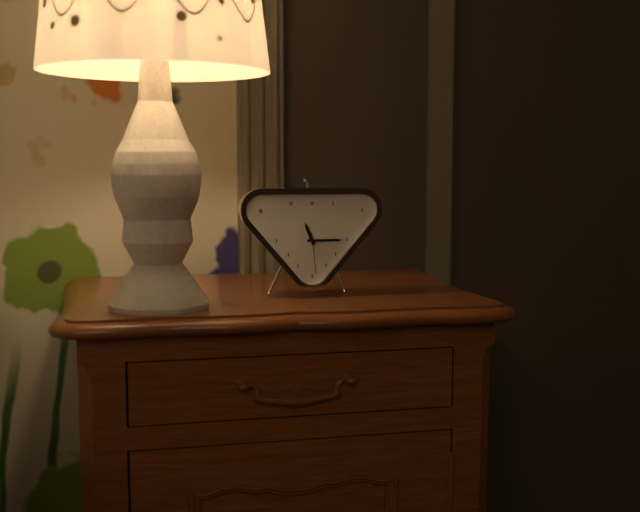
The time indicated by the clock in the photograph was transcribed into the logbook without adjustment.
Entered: 11:15
